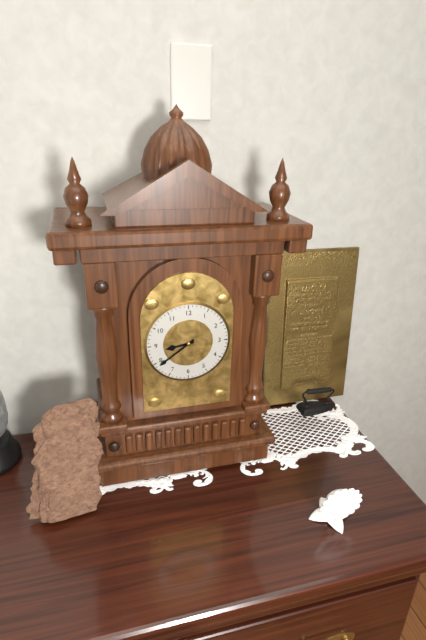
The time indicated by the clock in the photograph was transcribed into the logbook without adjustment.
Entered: 8:39
